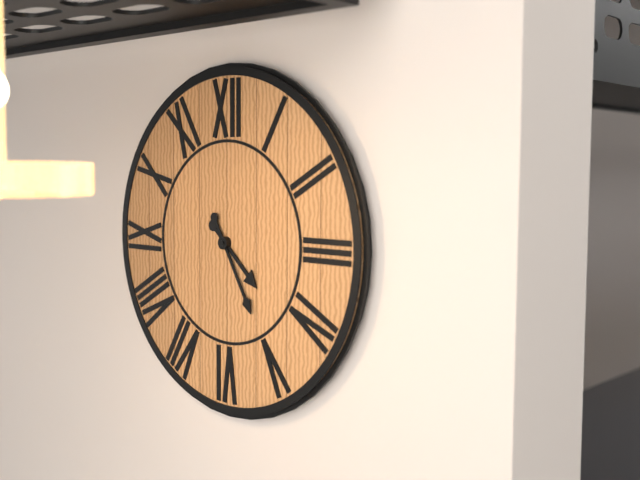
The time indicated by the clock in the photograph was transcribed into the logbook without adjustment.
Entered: 4:25
